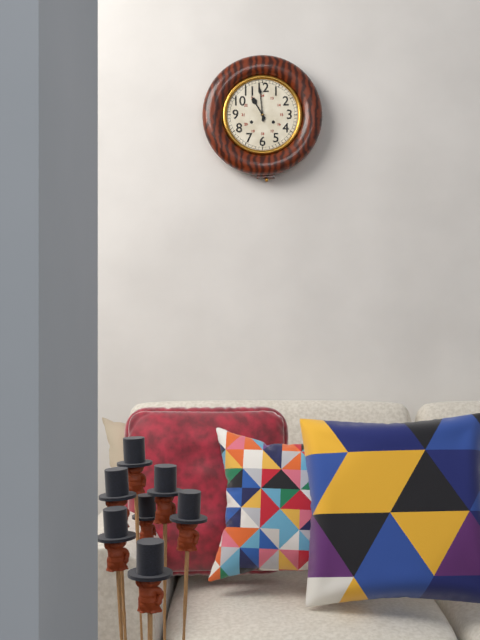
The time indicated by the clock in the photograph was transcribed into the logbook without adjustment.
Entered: 10:59
